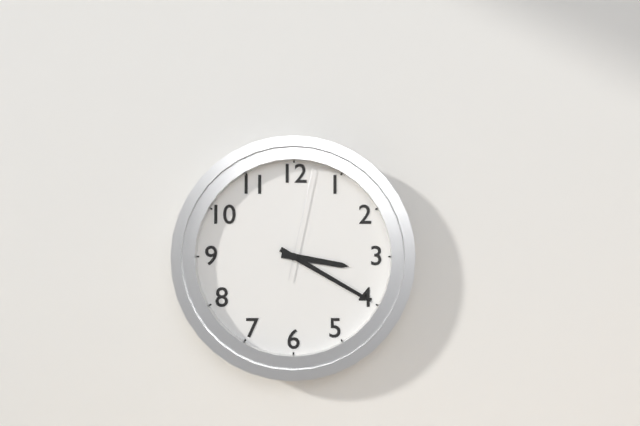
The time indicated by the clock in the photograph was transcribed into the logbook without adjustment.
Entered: 3:20:02
